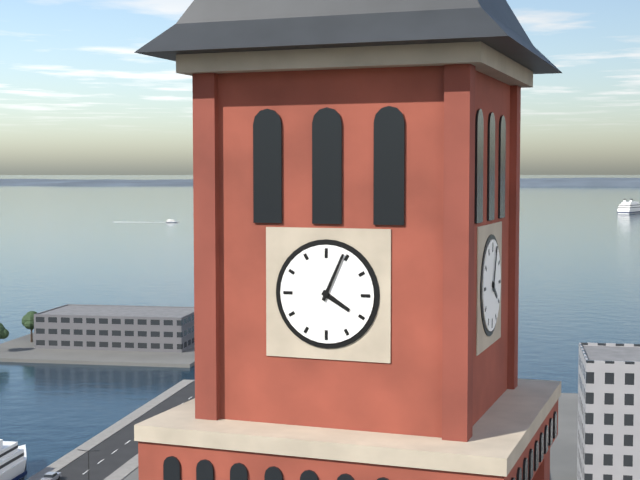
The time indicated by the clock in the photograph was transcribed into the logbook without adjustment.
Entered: 4:04
